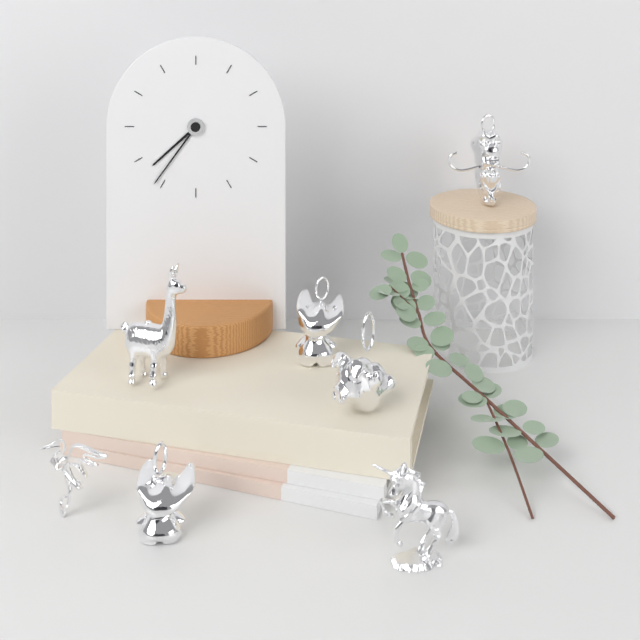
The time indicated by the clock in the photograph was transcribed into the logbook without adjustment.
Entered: 7:36
